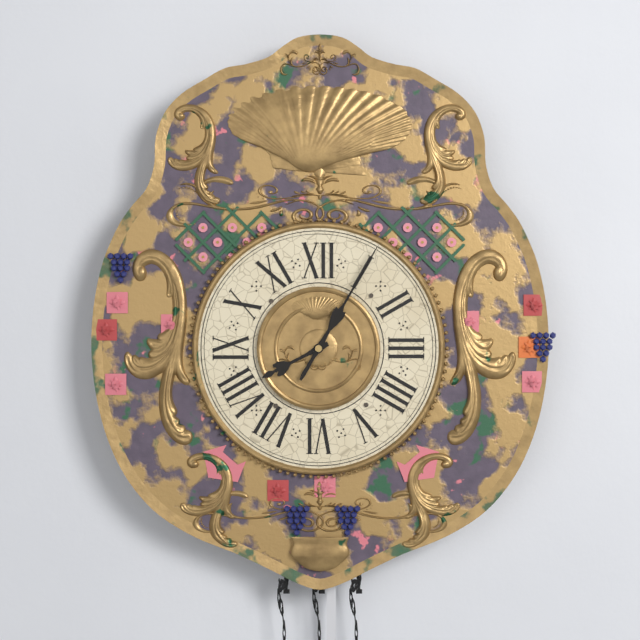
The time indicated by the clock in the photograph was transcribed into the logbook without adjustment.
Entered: 8:05
